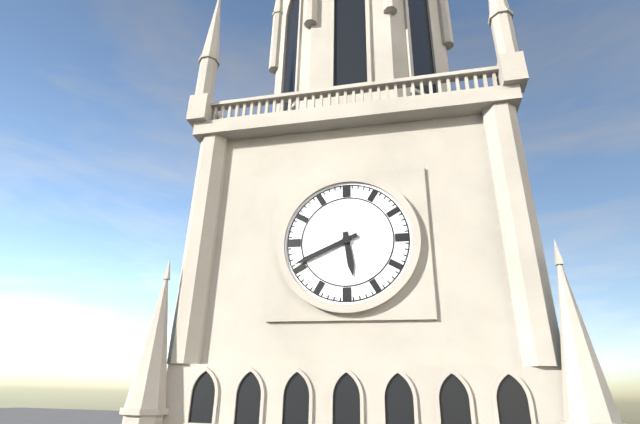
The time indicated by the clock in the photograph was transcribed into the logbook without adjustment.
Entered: 5:41
